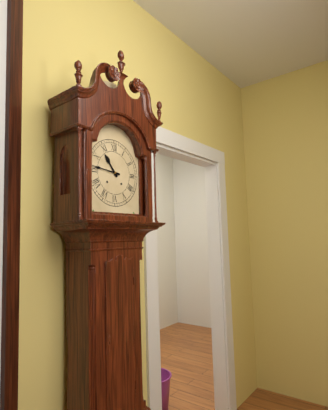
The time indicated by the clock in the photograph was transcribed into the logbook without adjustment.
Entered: 10:46
